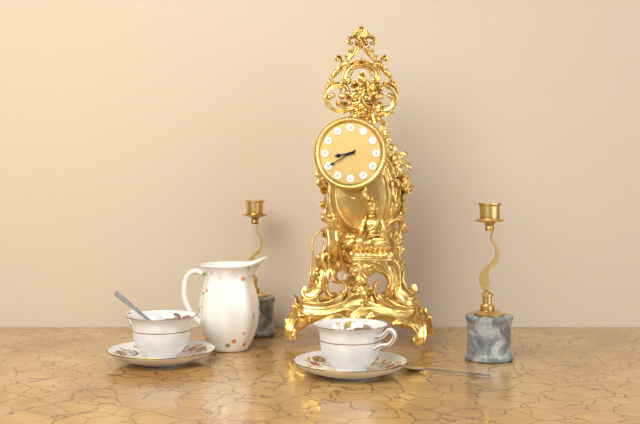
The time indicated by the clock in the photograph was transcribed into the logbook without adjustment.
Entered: 8:40
